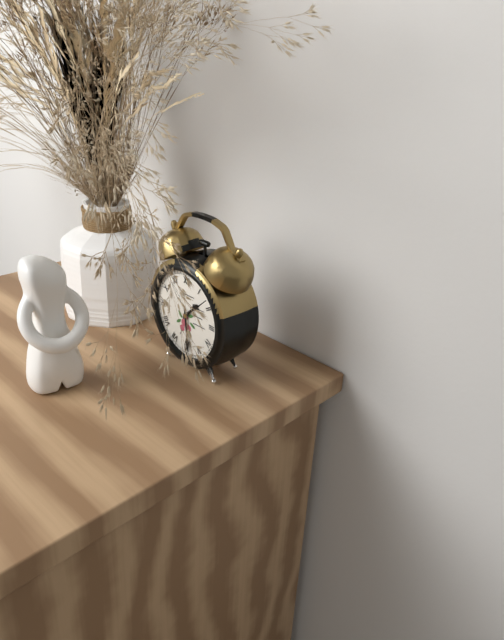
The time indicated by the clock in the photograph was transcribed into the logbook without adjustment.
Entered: 1:29
